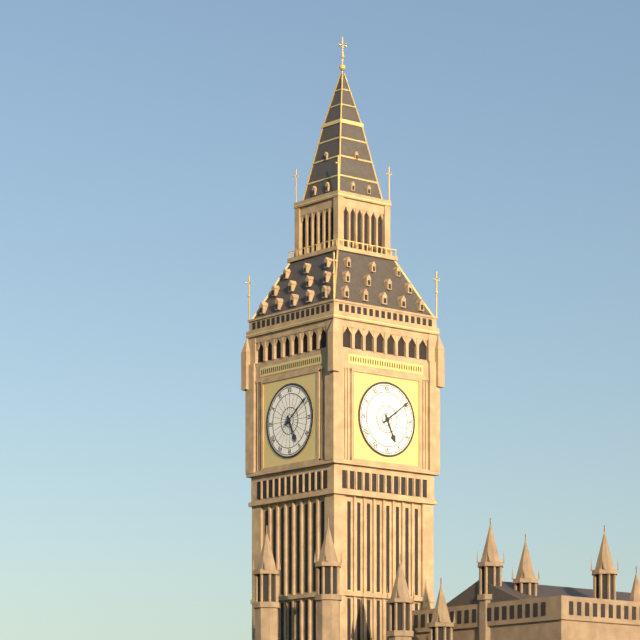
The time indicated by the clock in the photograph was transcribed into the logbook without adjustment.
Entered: 5:09
